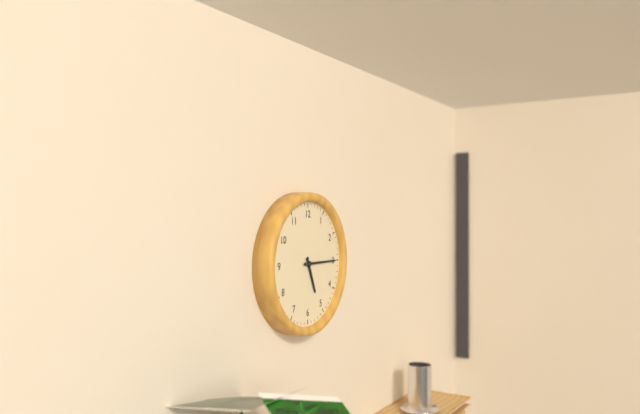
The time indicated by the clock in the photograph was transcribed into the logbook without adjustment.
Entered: 5:15
